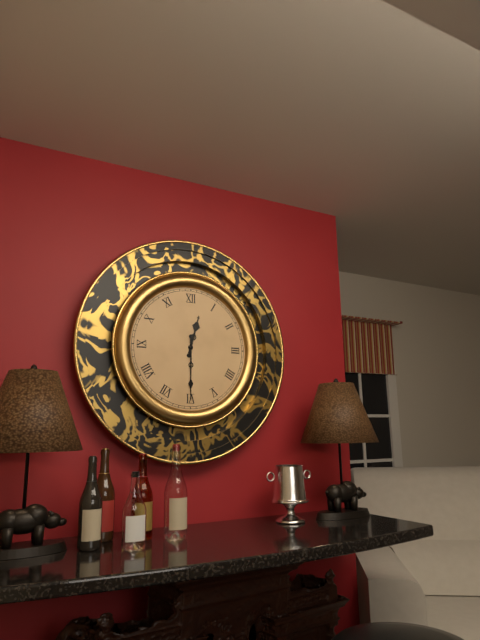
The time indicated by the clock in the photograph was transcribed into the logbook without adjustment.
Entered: 12:30
